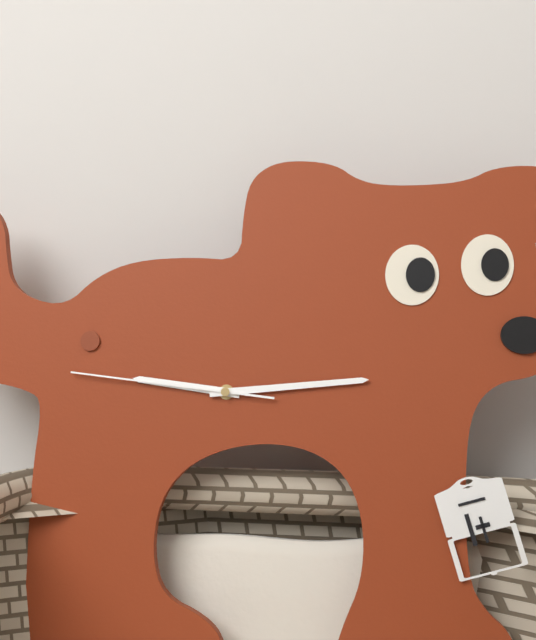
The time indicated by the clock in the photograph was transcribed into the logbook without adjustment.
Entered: 9:14:46
